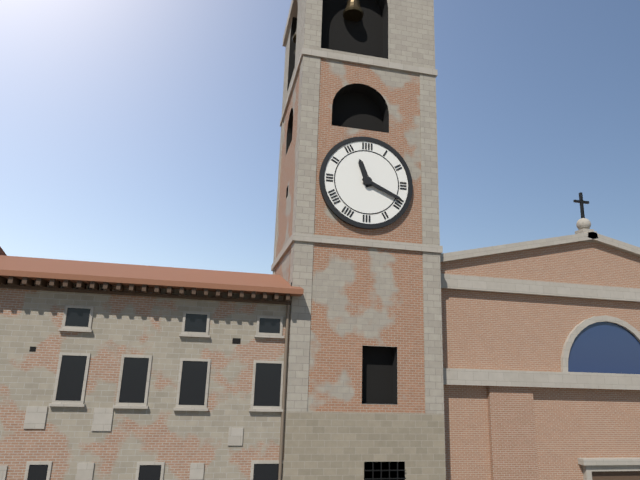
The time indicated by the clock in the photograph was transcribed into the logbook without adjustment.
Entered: 11:19
